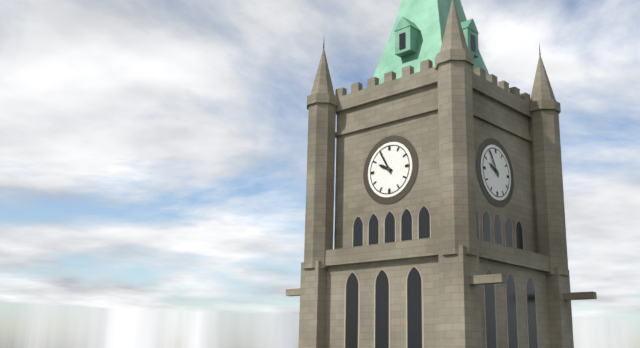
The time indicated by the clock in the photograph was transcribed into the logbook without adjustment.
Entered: 9:55
